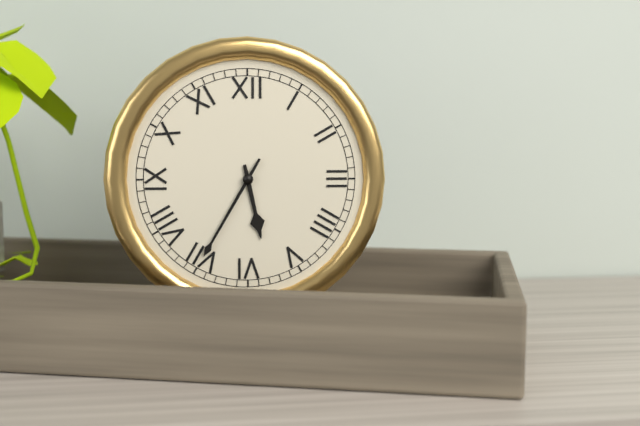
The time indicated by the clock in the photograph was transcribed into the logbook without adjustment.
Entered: 5:35
